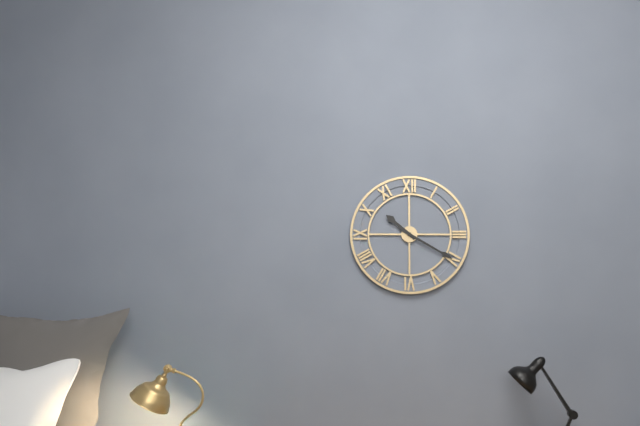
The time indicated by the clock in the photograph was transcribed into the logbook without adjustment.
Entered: 10:20
